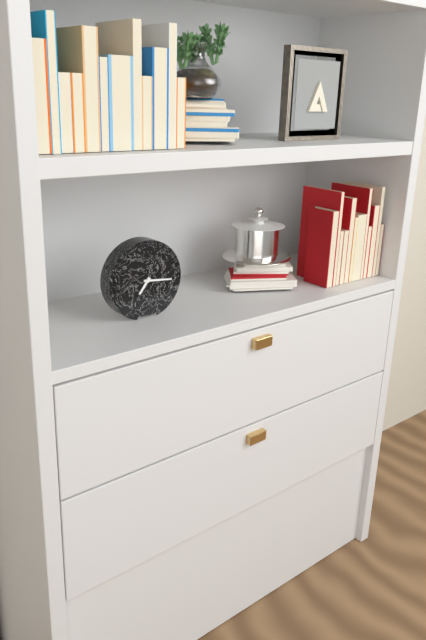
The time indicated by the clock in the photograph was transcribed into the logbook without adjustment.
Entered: 7:16
